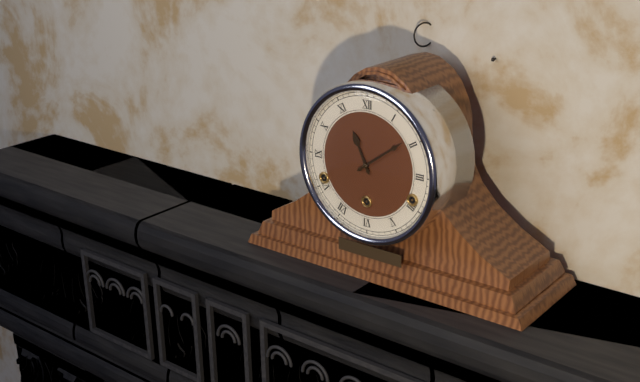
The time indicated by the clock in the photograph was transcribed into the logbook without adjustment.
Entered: 11:09
